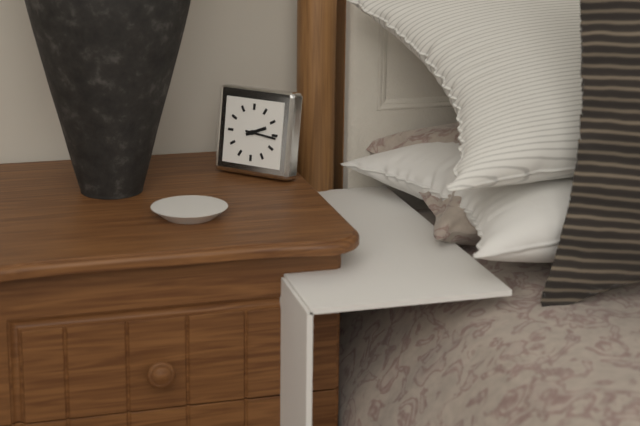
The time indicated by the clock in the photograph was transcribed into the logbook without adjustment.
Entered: 2:16
